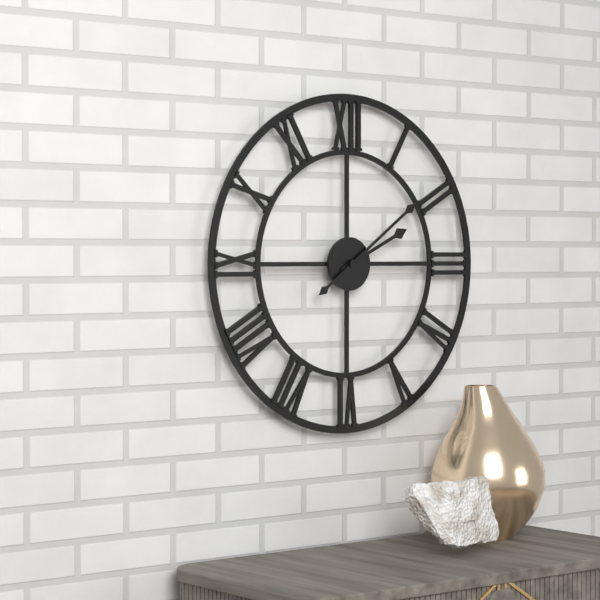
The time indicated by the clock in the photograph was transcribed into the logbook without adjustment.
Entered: 2:09
